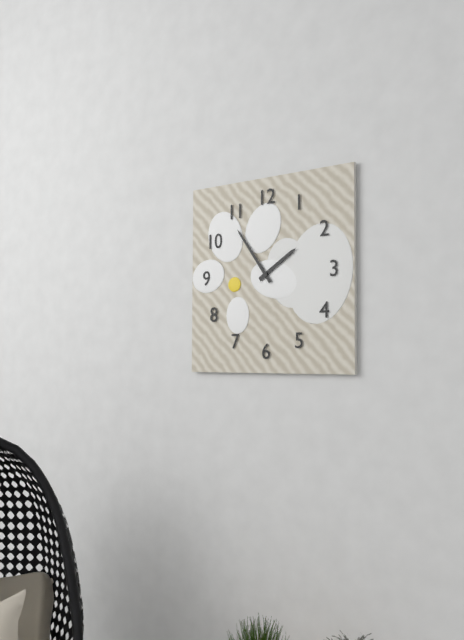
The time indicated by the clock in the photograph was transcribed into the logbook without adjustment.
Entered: 1:54
